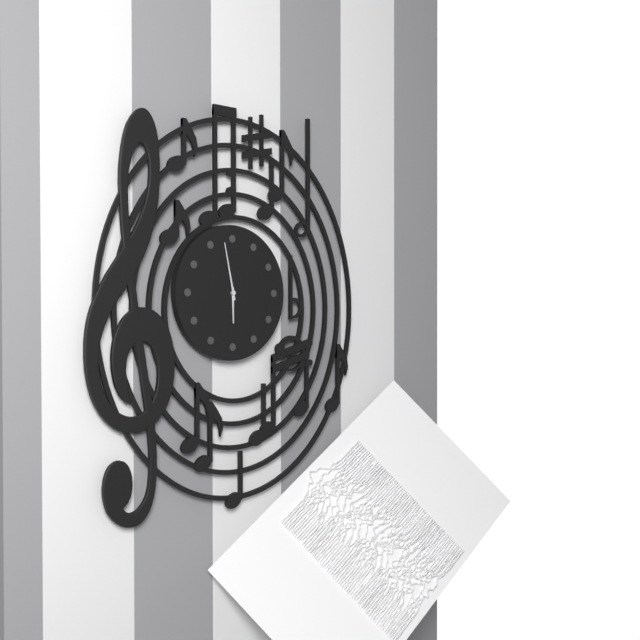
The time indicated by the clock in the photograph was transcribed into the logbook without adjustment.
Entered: 5:58
